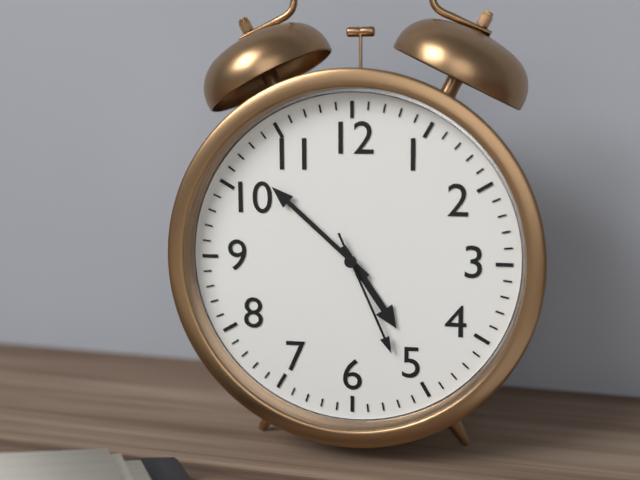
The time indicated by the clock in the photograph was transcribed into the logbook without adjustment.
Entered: 4:52:26
